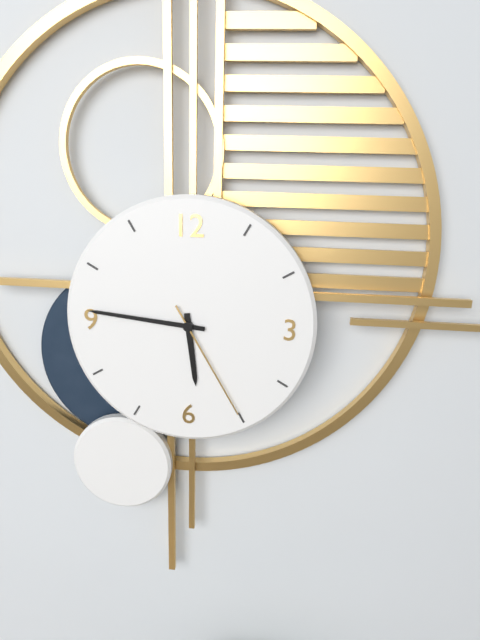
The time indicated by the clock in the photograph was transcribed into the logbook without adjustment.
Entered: 5:46:25
